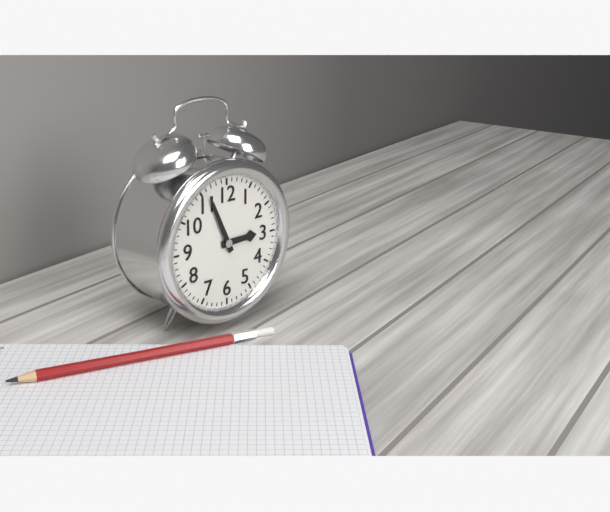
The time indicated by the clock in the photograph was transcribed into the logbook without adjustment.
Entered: 2:56
